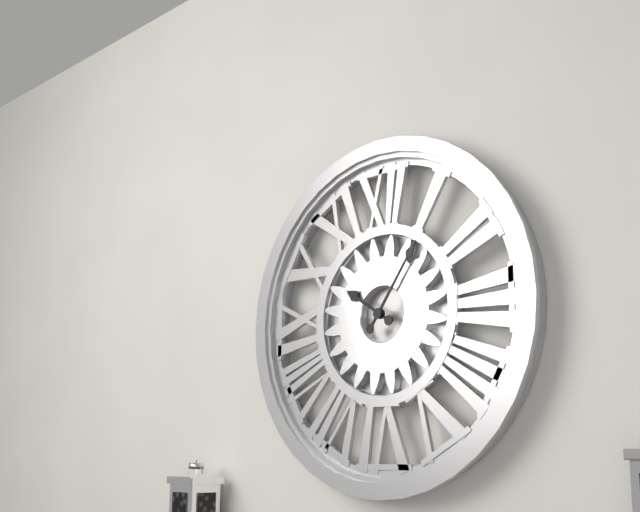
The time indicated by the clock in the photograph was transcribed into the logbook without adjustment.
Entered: 10:06
